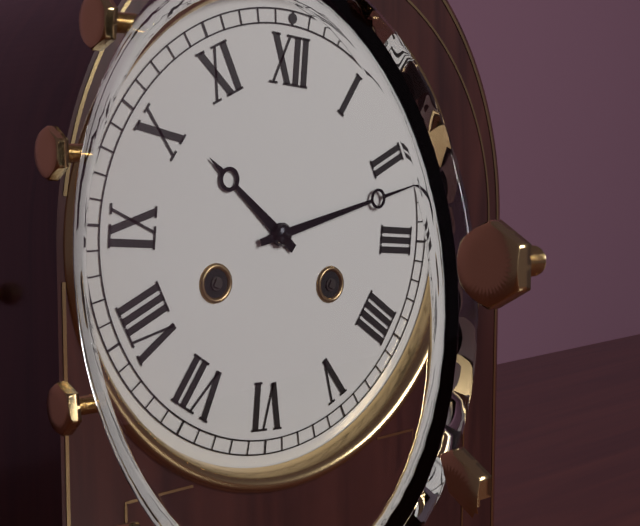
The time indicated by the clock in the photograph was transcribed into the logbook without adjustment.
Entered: 10:12
